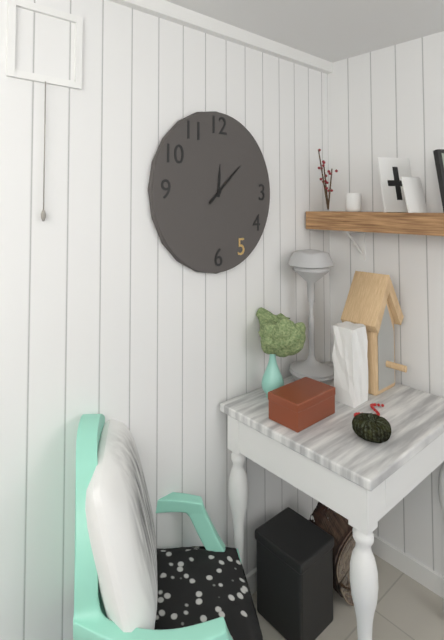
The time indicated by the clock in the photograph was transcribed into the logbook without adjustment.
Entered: 12:08
